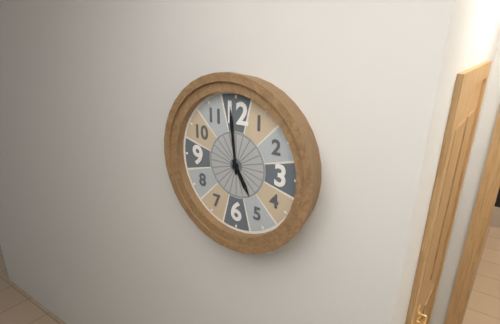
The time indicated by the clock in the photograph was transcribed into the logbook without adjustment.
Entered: 4:59
